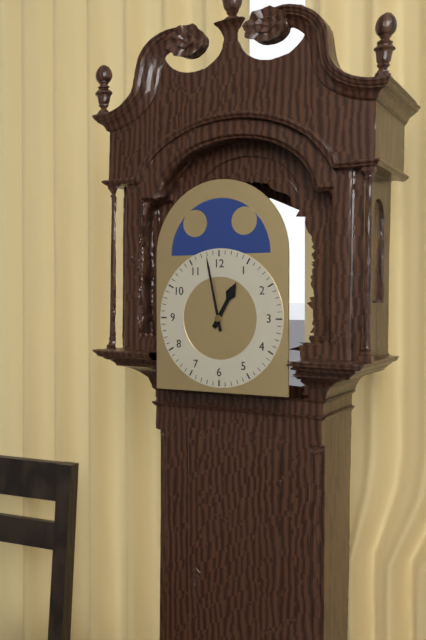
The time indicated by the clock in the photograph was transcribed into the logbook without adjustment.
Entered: 12:58
